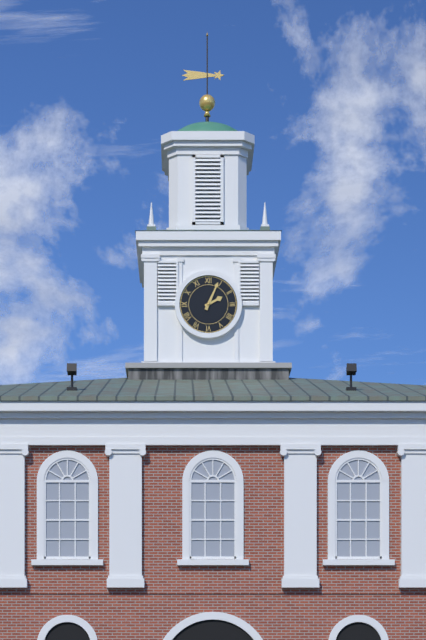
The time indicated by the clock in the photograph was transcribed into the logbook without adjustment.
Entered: 2:04
